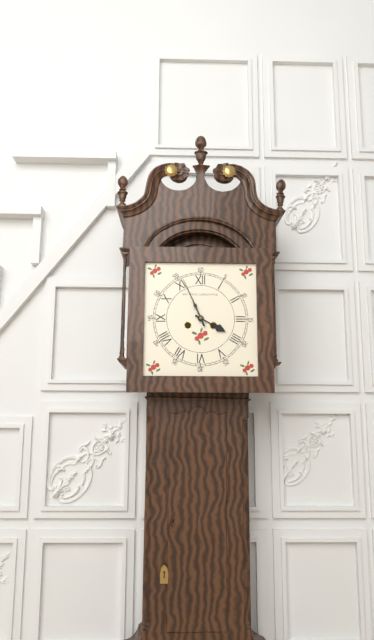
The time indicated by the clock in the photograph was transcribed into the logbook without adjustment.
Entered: 3:56
